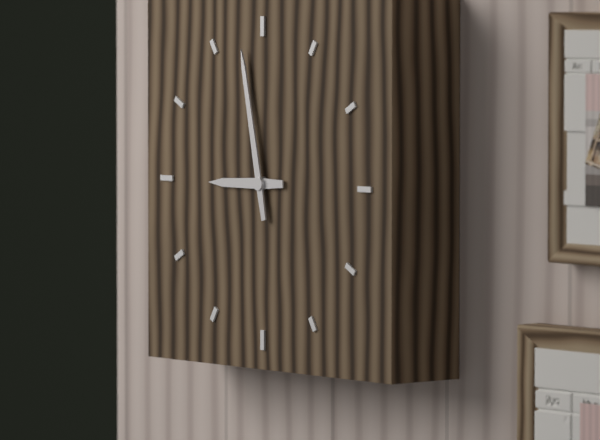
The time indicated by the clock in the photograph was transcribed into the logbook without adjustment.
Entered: 8:58
